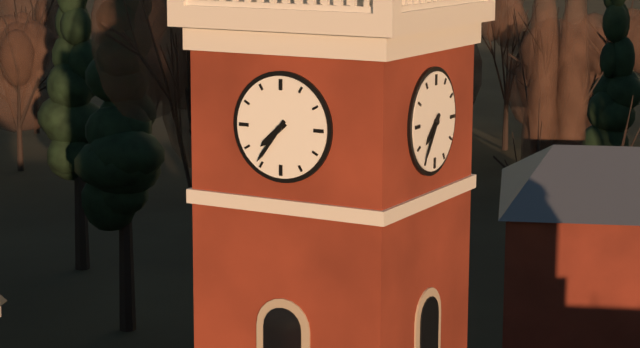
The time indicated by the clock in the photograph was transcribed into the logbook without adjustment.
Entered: 7:36
